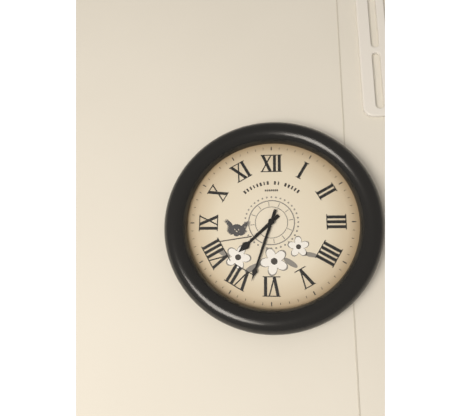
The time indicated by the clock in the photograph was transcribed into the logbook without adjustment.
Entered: 7:33
